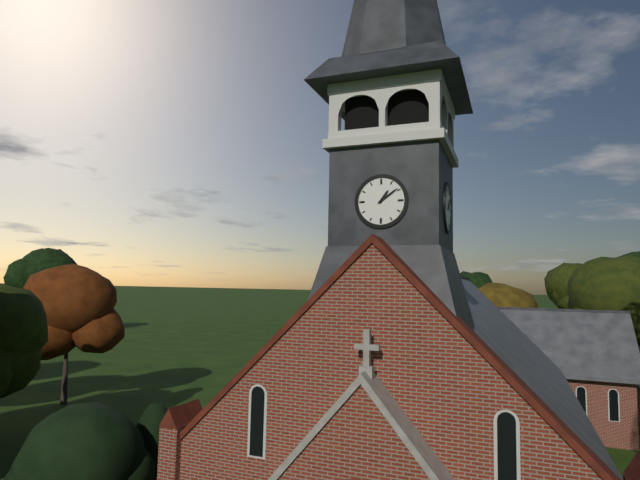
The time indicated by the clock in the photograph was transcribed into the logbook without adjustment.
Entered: 1:09
